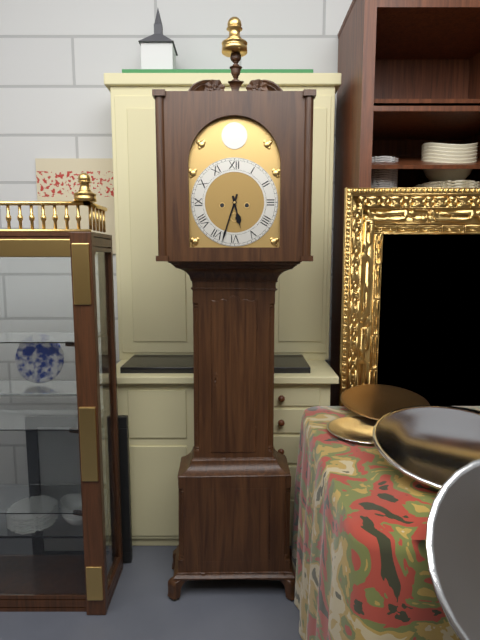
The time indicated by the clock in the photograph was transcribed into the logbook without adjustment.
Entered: 5:33
